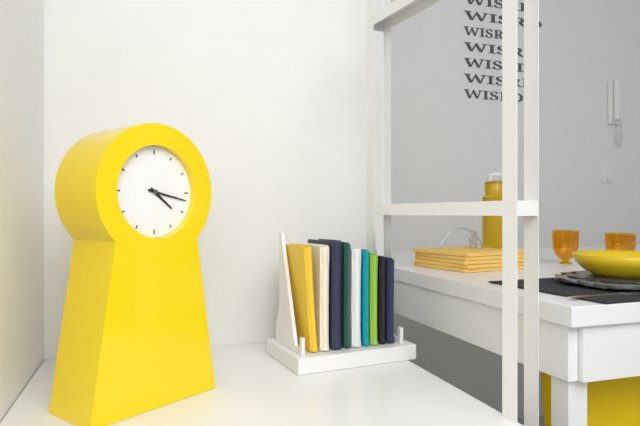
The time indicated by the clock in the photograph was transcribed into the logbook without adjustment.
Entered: 4:17
